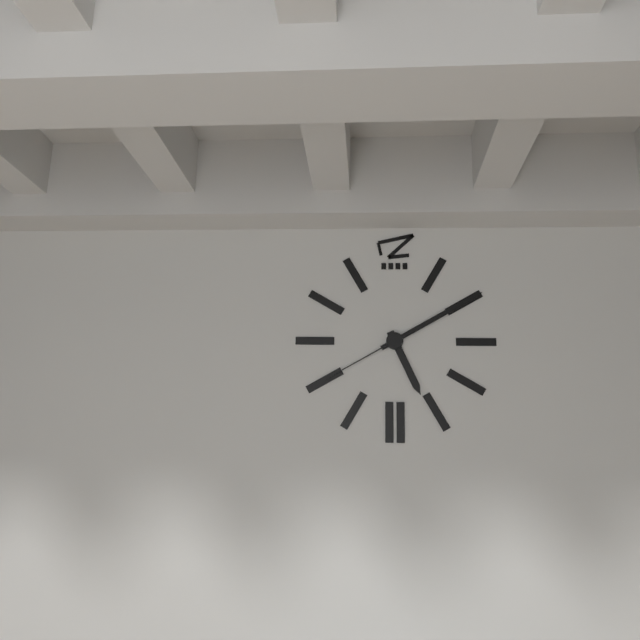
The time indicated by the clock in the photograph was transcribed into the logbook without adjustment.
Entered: 5:10:40
